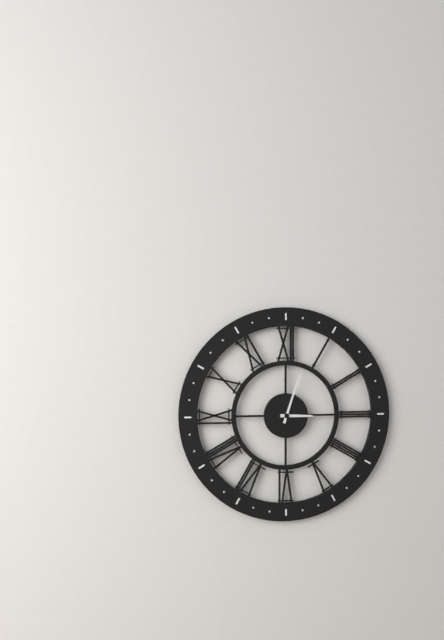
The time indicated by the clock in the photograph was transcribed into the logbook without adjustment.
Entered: 3:03
